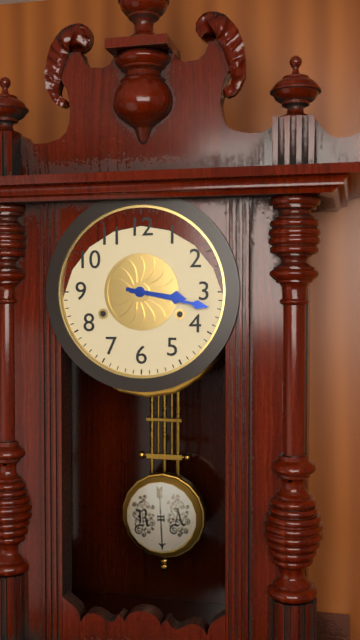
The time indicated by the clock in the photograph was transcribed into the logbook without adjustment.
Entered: 3:17
